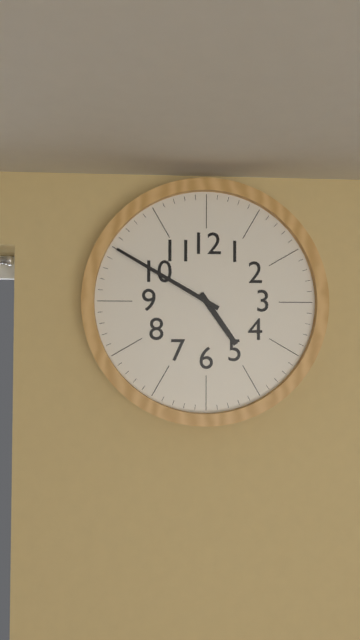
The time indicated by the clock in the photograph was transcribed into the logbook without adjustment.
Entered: 4:50
